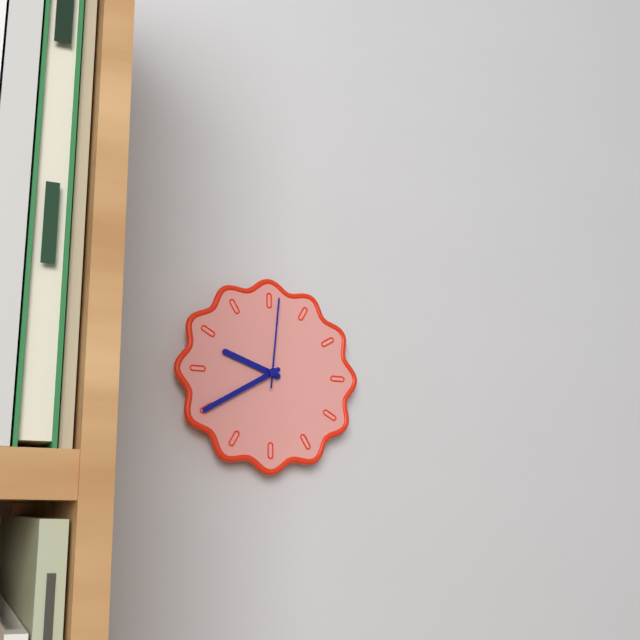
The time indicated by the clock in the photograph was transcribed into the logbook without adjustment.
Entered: 9:40:01
